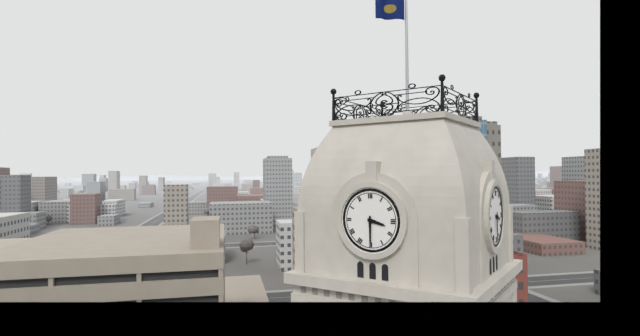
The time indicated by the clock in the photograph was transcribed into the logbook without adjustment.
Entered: 3:30
